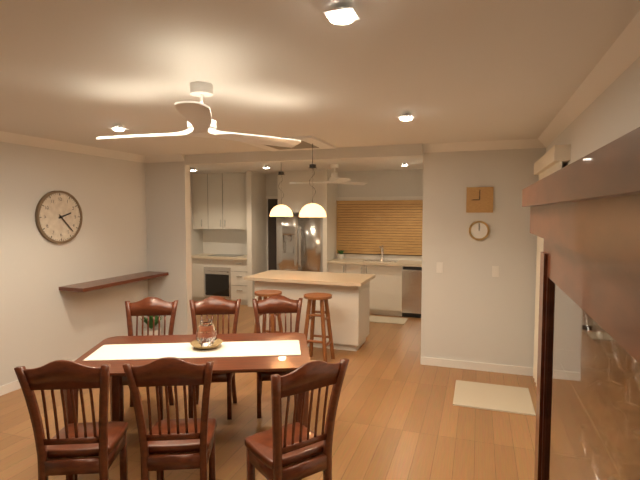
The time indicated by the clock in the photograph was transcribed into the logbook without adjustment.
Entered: 2:23
